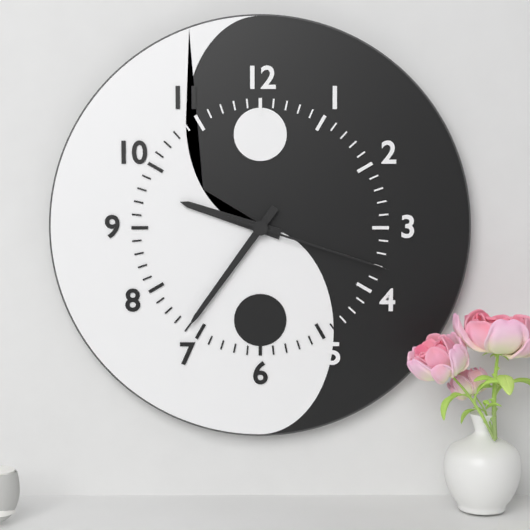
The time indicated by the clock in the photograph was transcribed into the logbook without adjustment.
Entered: 9:36:18
